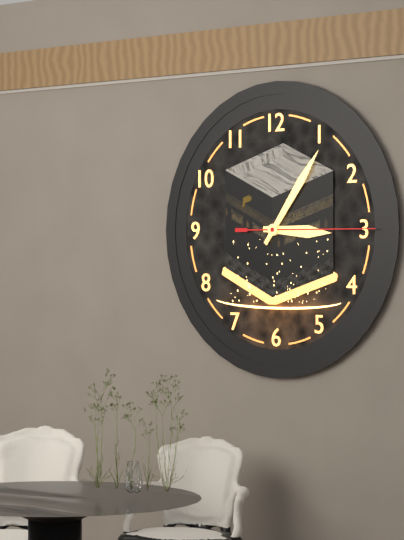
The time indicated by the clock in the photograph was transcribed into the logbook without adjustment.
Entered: 3:06:15
